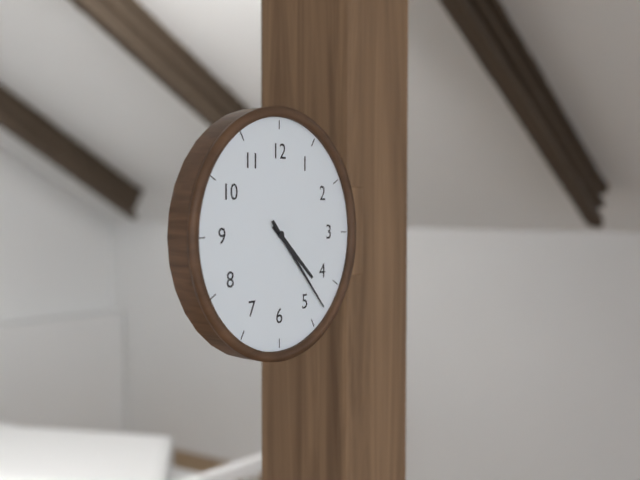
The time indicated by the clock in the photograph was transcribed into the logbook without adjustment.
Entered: 4:23
